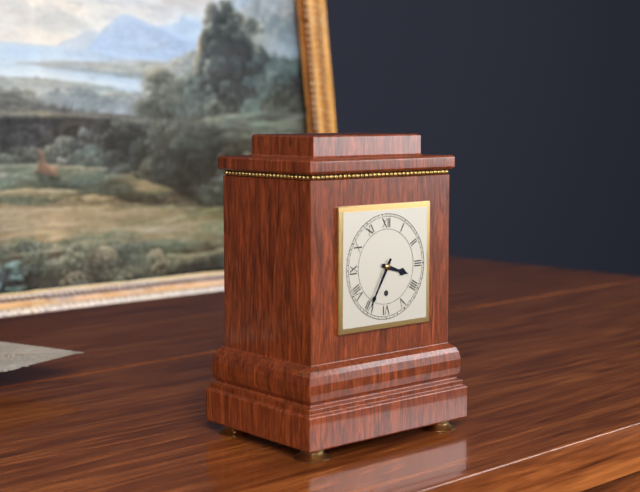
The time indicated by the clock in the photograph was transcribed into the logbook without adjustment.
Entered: 3:35
